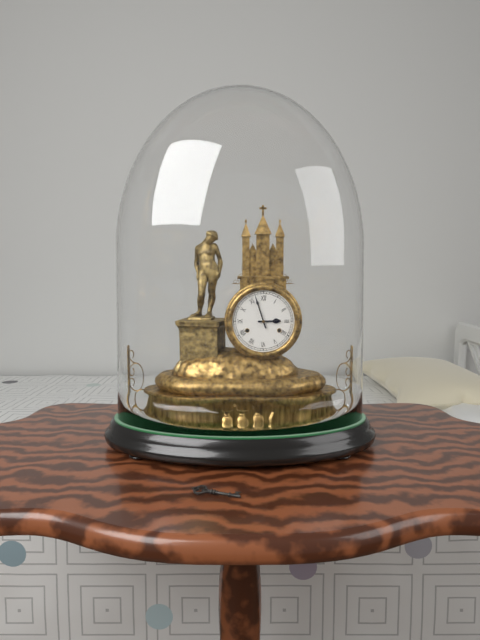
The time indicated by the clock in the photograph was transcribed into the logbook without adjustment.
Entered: 2:57
